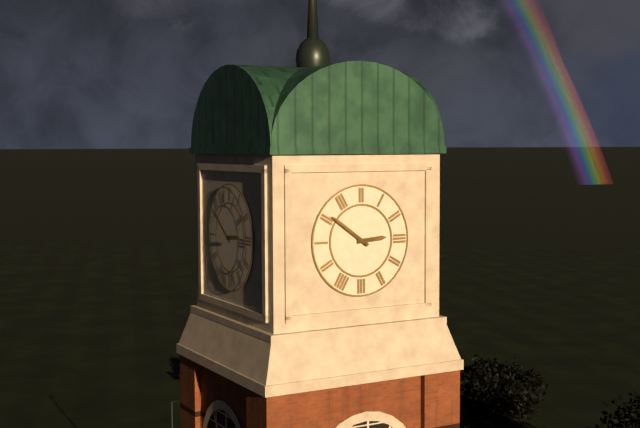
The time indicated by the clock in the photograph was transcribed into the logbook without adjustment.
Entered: 2:51
